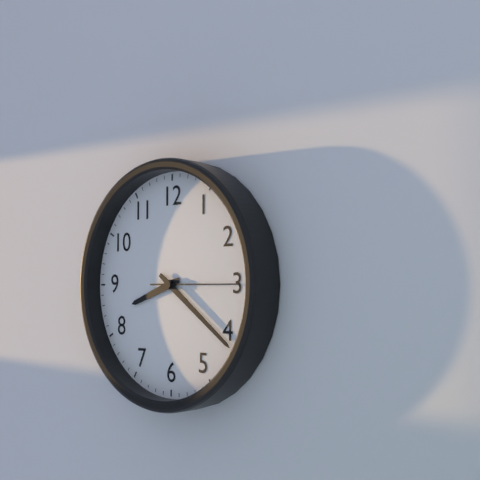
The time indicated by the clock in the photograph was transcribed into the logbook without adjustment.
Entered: 8:21:15
